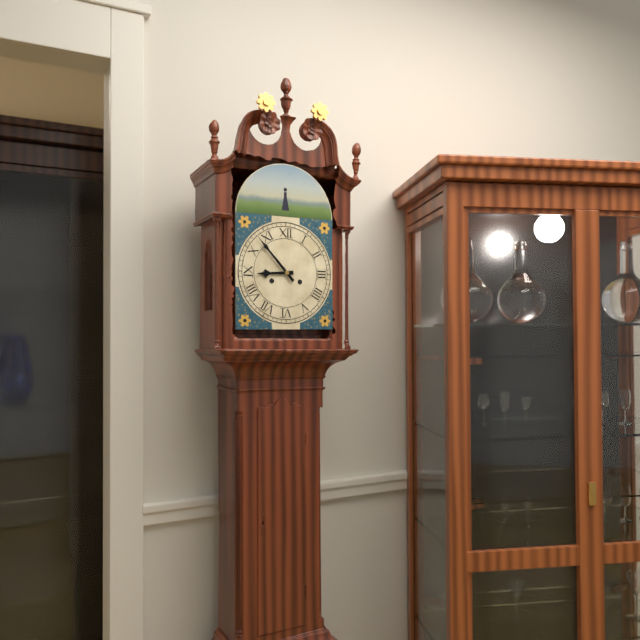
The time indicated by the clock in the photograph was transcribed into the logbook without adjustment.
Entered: 8:53
